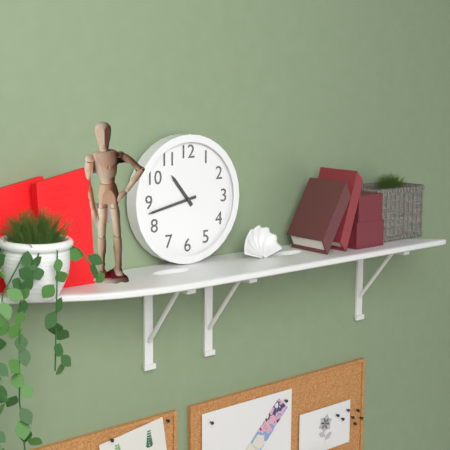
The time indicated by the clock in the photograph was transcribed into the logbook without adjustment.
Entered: 10:43
